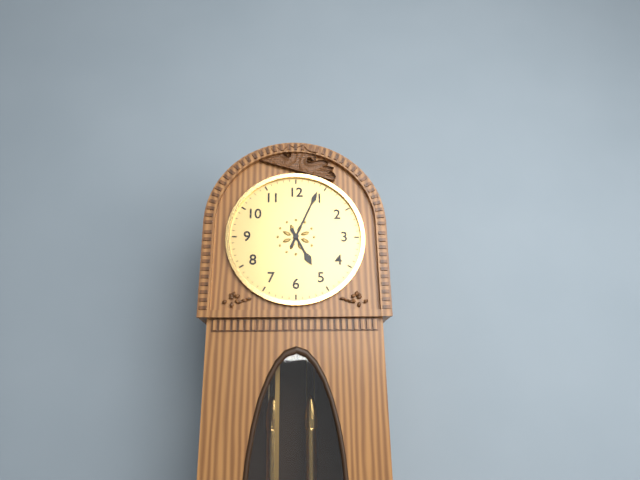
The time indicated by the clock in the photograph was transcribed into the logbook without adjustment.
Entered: 5:04
